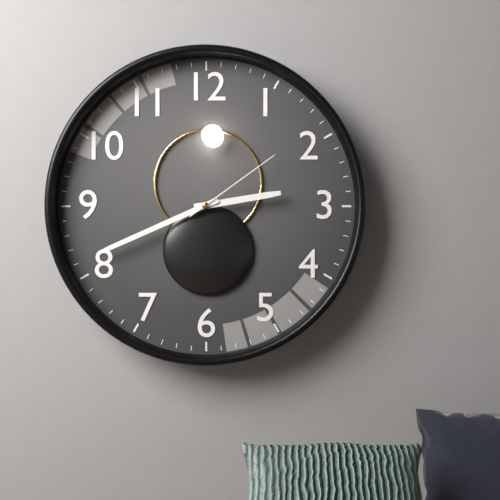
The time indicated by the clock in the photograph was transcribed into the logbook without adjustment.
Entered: 2:41:09
